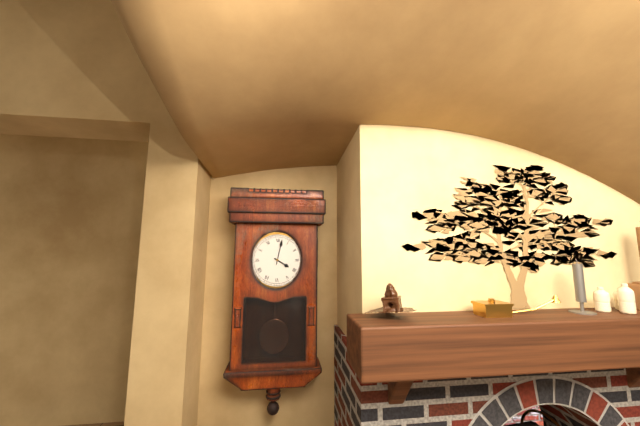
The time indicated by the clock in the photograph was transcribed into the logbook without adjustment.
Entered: 4:02
